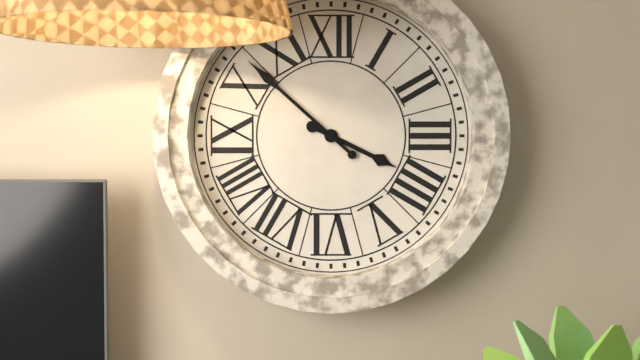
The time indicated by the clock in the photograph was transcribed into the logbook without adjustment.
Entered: 3:52
